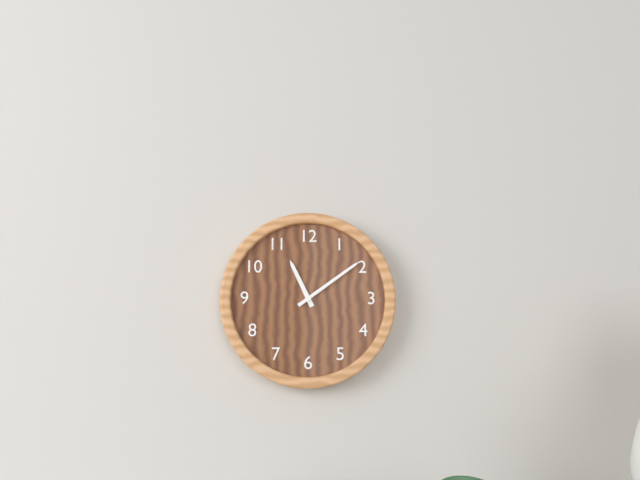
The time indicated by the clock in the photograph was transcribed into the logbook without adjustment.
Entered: 11:09
